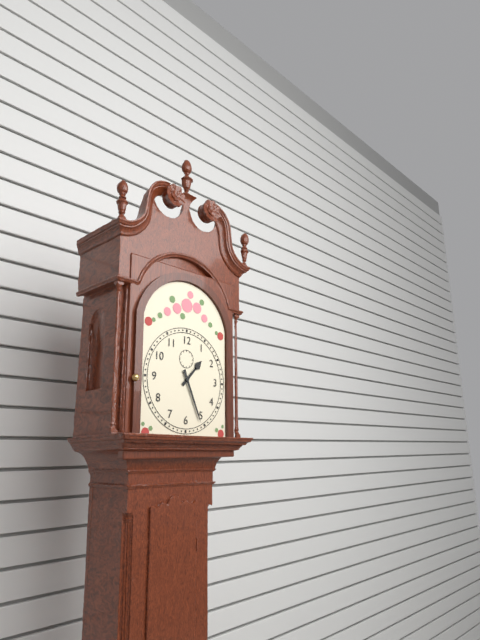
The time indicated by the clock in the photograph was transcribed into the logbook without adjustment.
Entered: 1:26
